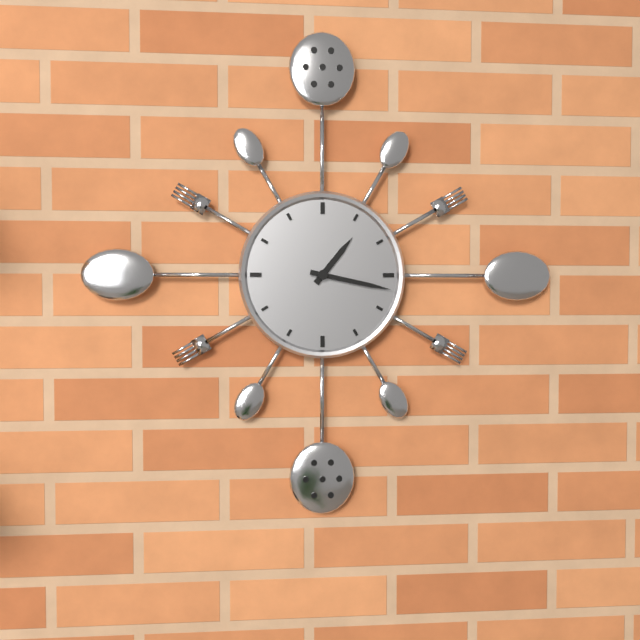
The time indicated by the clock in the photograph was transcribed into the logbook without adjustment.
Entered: 1:17
